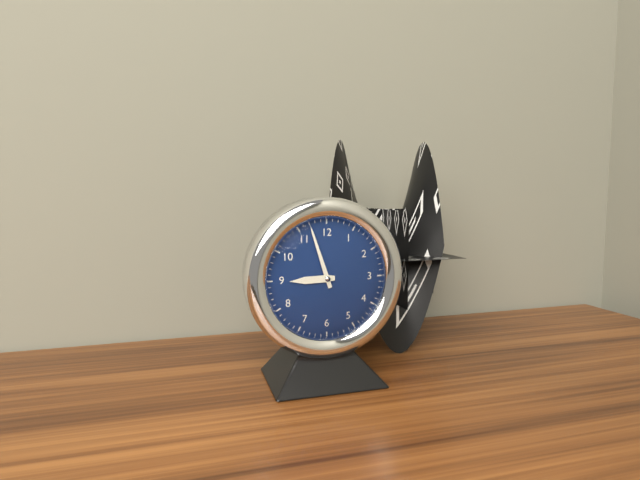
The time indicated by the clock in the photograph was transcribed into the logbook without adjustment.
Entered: 8:57
